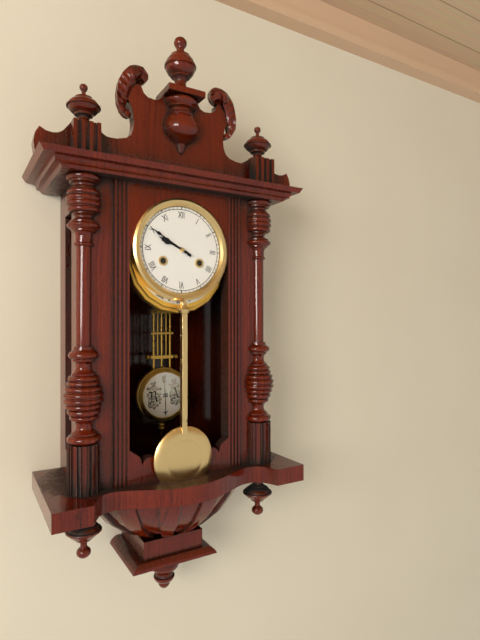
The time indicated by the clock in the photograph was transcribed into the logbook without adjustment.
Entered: 9:50
